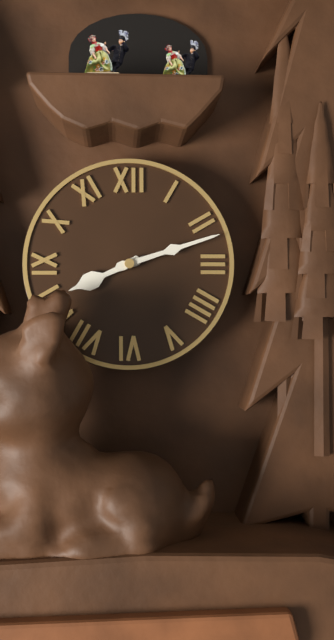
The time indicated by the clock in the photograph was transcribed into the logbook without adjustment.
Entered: 8:12
